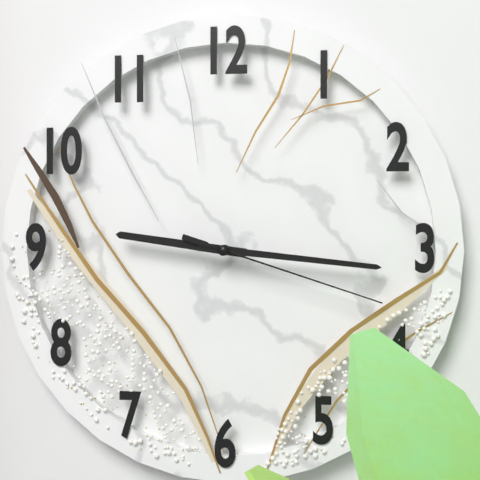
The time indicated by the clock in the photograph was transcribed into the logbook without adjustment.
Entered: 9:16:18
